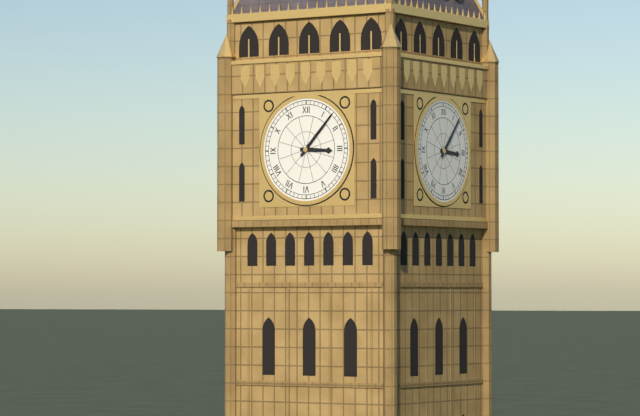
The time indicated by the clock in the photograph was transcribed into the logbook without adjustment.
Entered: 3:07
